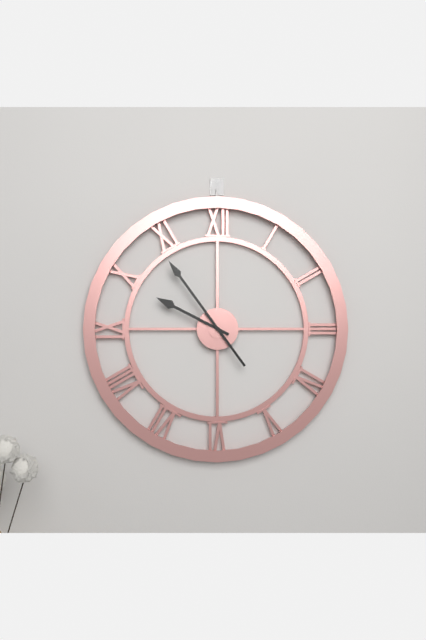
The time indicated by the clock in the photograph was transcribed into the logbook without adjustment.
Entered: 9:54
